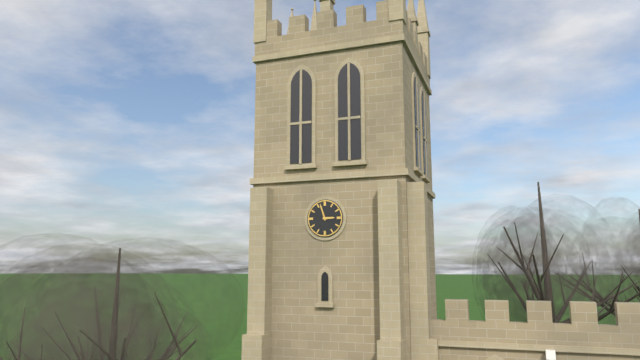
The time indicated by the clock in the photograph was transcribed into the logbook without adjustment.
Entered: 2:57
